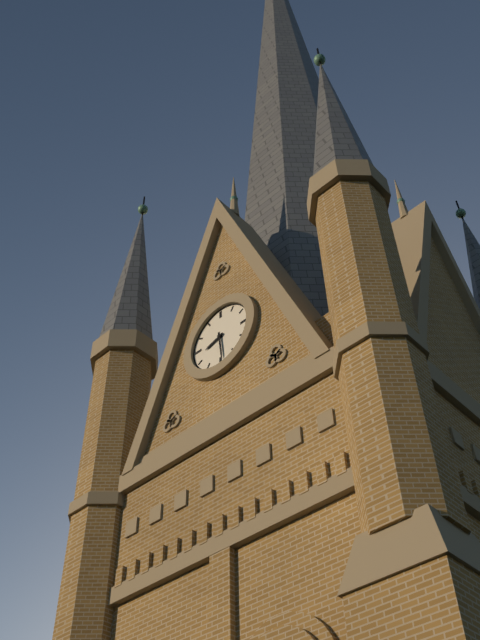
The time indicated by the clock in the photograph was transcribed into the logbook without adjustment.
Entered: 8:29
